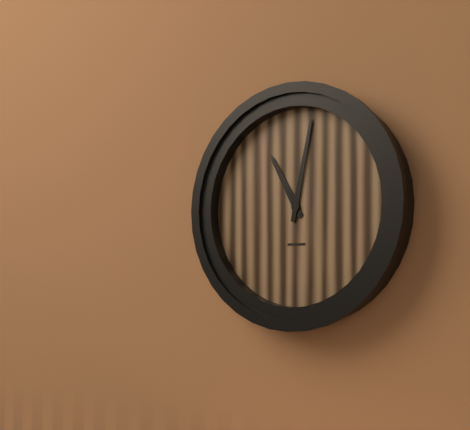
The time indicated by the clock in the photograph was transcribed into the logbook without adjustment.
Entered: 11:02
